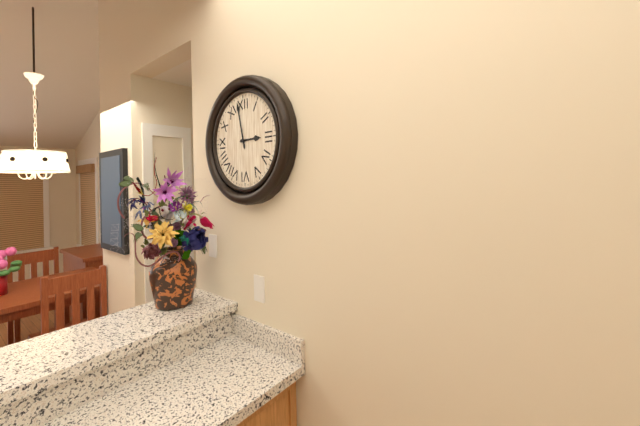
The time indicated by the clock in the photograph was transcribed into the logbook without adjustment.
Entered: 2:58
